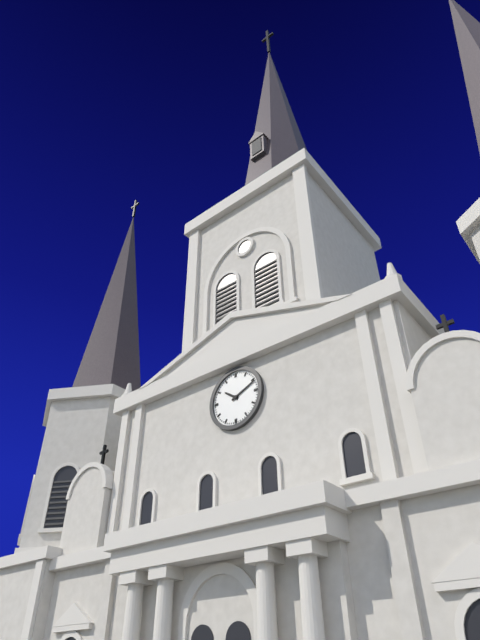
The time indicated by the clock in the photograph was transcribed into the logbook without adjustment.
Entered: 10:11
